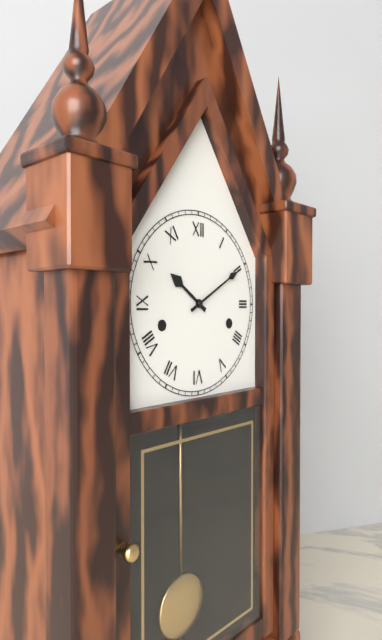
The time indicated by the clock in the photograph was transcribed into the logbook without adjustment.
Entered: 10:10
